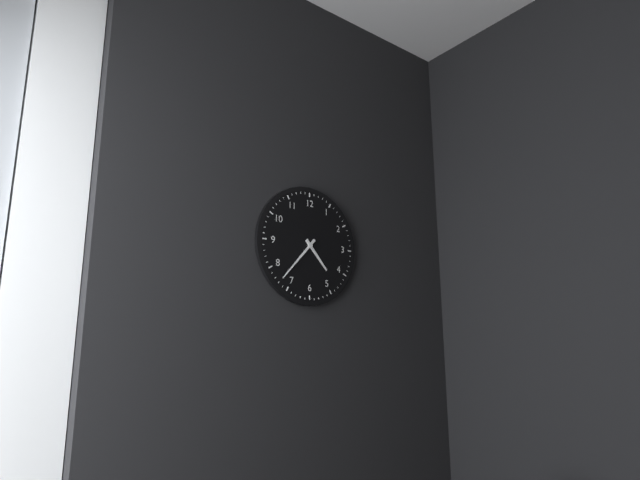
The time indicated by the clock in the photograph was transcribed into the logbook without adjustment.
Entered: 4:37
